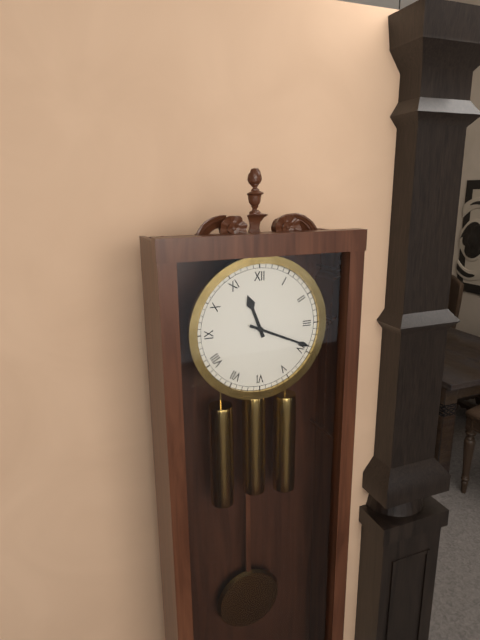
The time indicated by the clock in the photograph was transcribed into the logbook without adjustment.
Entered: 11:19
